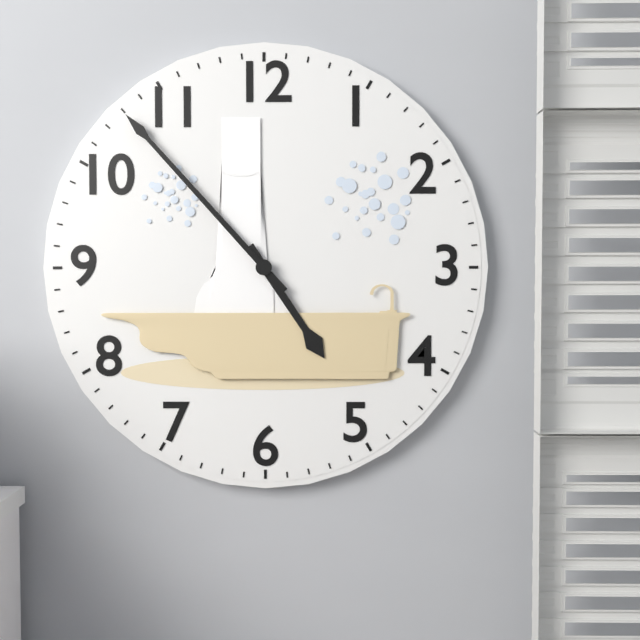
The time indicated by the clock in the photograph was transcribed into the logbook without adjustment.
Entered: 4:53
